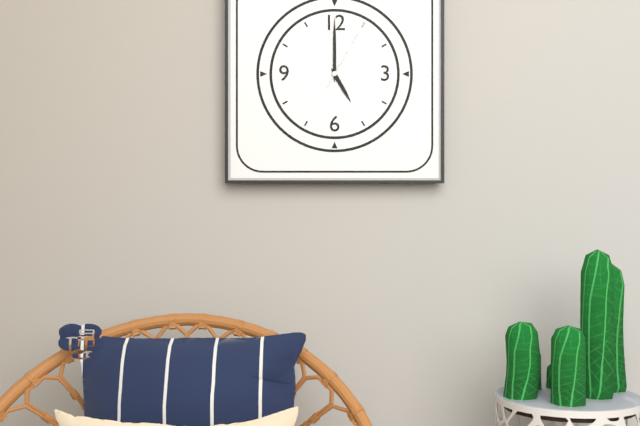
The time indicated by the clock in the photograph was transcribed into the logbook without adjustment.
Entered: 5:00:05
